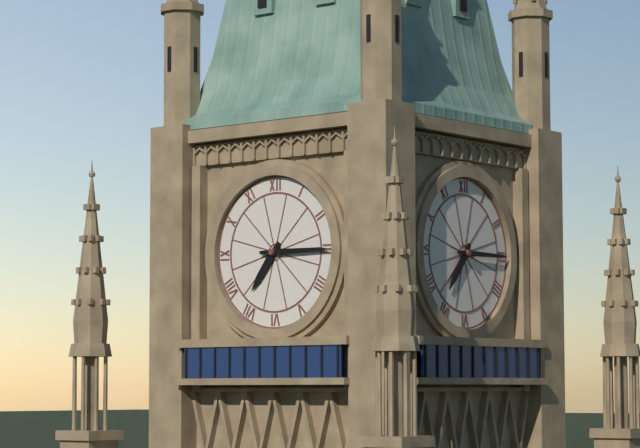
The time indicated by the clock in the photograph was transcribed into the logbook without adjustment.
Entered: 7:15
